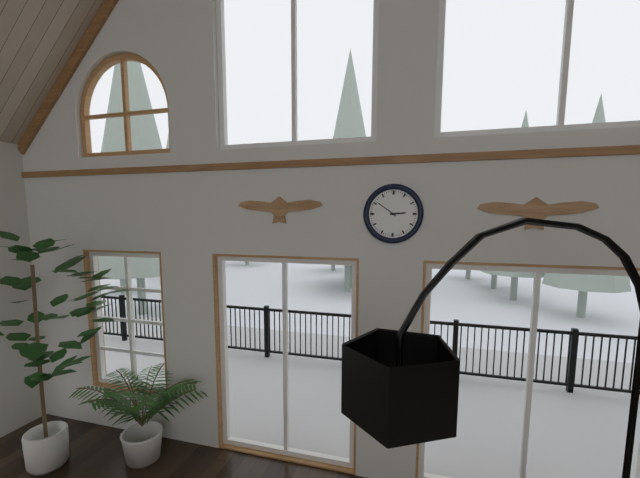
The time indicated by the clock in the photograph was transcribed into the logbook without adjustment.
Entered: 2:51
